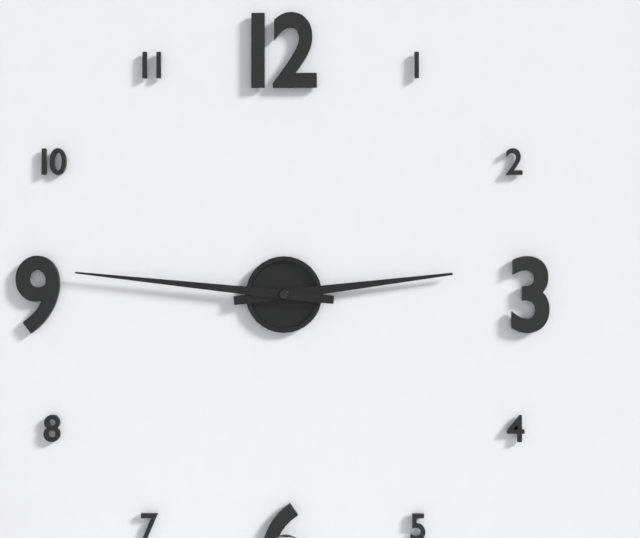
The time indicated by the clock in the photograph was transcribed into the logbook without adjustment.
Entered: 2:46
